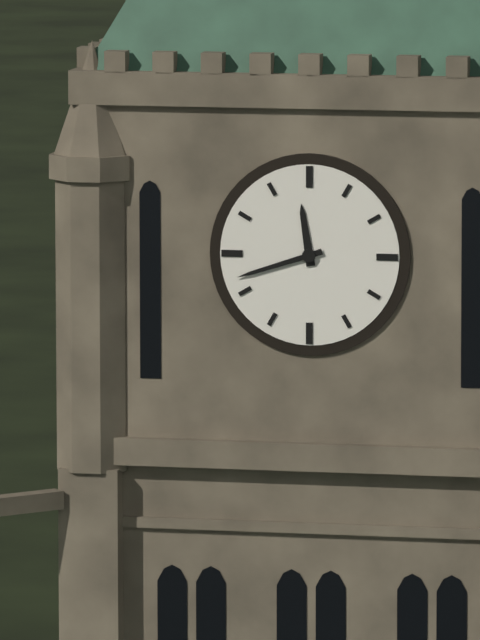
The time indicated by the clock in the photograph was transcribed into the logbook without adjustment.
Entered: 11:42
